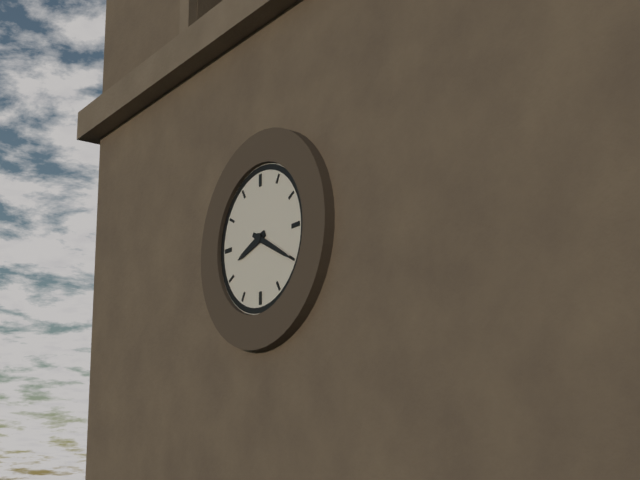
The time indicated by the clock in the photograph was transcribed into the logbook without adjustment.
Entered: 8:20
